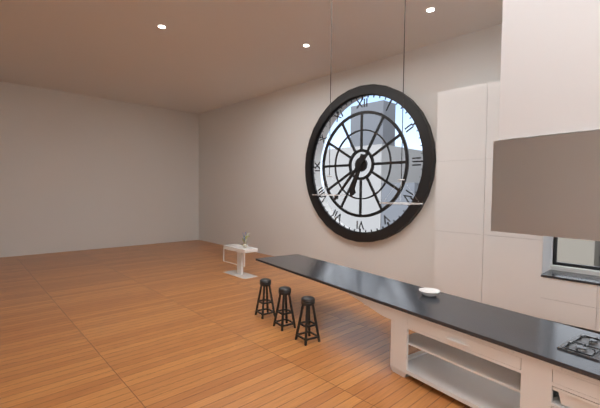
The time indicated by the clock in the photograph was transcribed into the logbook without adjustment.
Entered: 6:37
